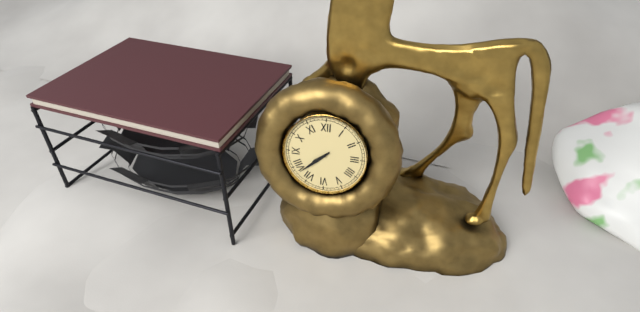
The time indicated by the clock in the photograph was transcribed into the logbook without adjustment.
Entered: 7:38
